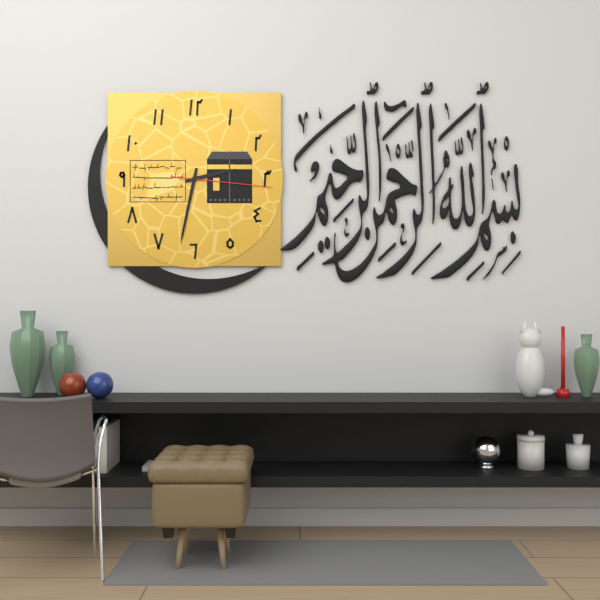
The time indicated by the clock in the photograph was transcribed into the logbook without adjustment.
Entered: 2:32:16
